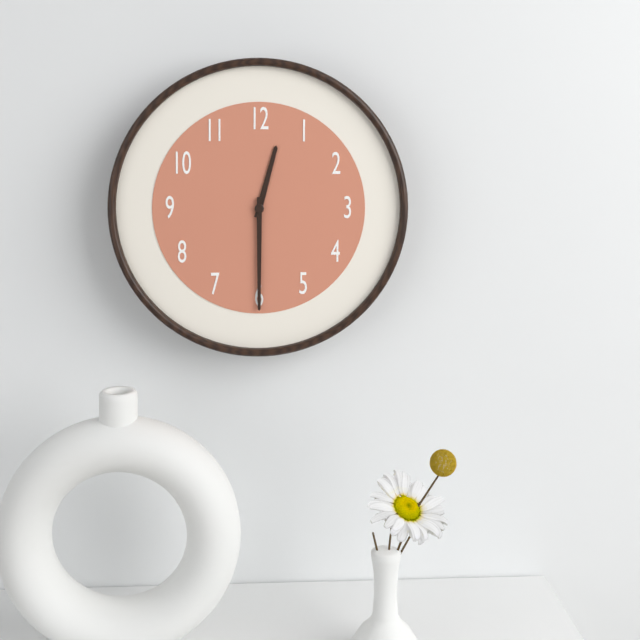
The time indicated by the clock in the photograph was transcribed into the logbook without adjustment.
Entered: 12:30
